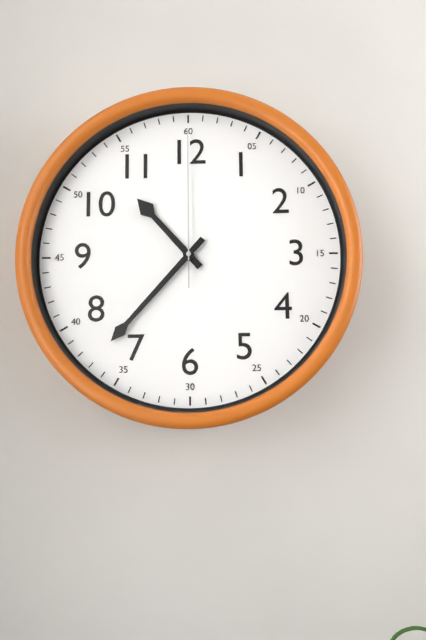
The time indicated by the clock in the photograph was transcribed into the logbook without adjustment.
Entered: 10:37:00
